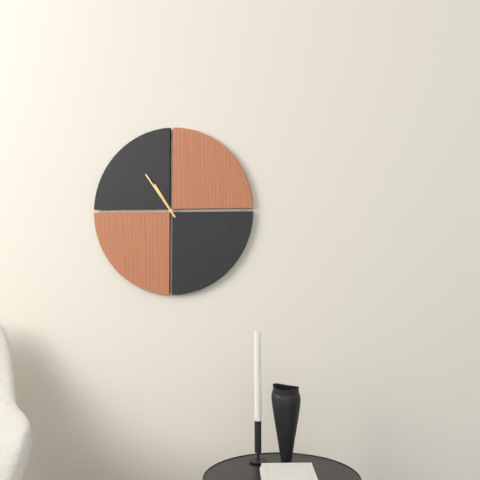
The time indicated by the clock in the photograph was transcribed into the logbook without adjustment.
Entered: 10:54
